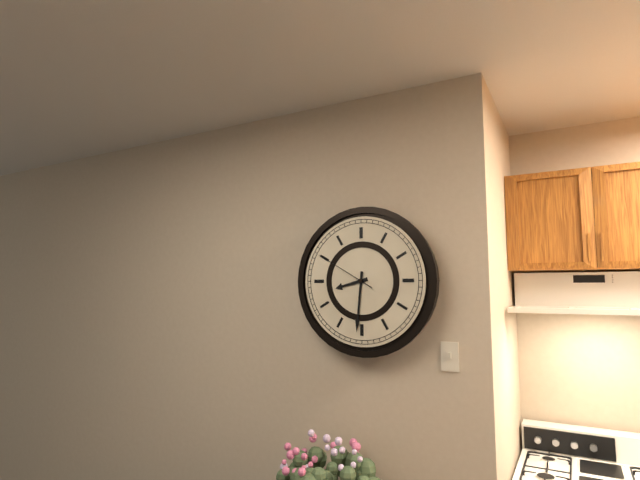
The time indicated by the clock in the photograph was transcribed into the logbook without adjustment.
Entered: 8:31:50
